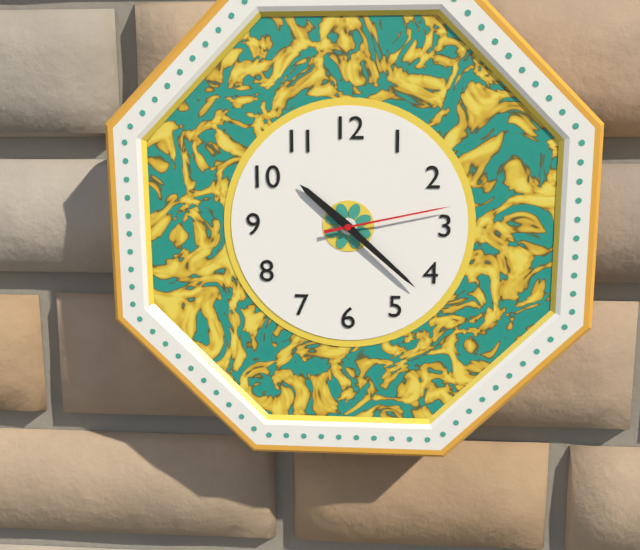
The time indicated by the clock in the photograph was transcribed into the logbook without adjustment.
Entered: 10:22:13
